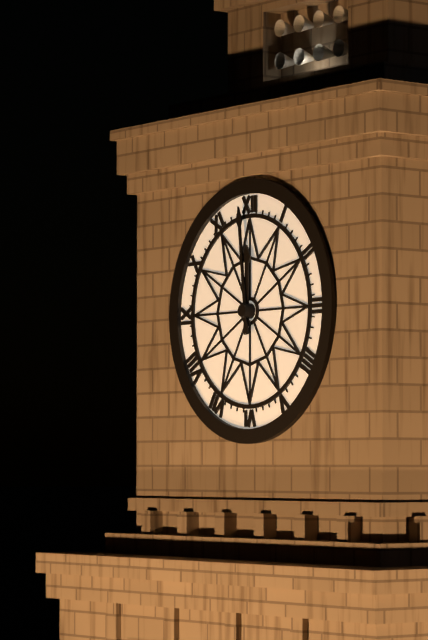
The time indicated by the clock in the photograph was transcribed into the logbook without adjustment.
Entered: 11:59
